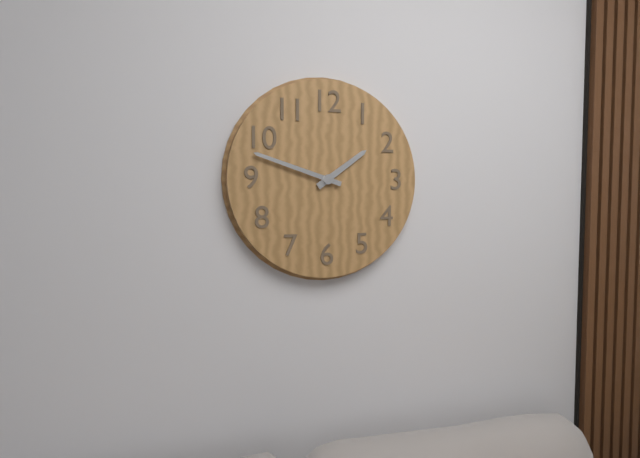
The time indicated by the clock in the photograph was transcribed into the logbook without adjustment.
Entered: 1:48
